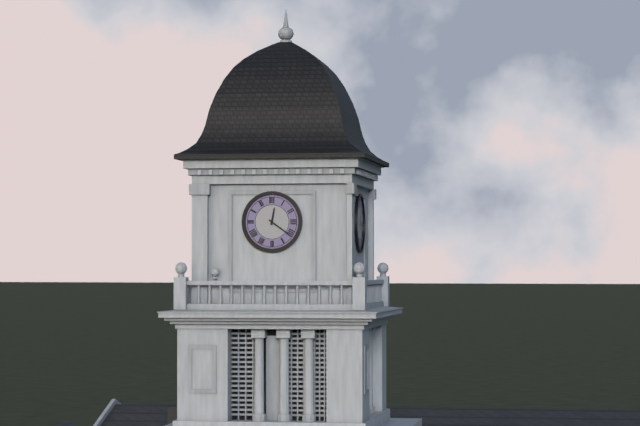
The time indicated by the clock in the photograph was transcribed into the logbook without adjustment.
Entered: 12:21
